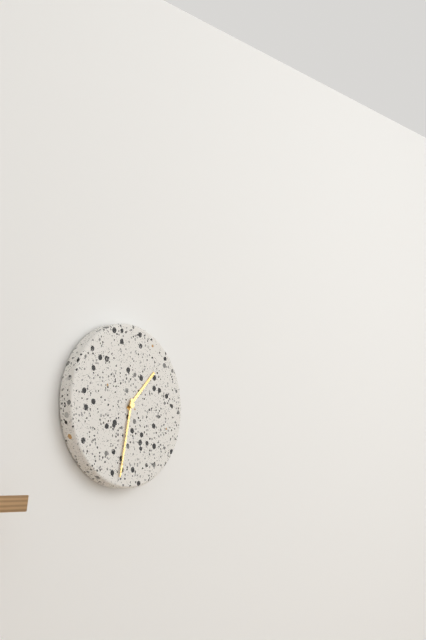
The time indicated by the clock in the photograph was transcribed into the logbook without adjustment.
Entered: 1:32
